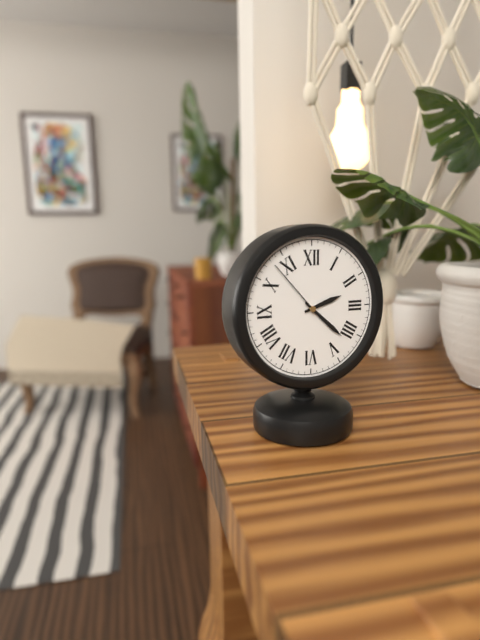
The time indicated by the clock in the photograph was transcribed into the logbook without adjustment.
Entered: 2:22:53
